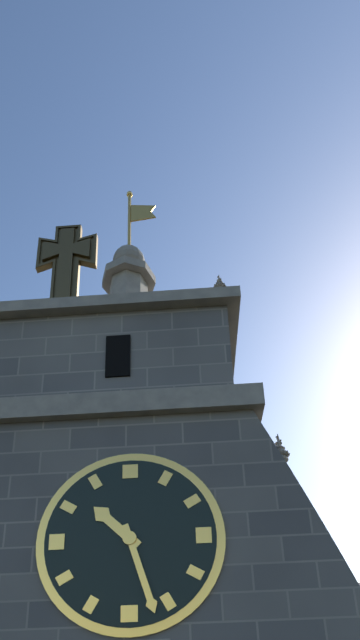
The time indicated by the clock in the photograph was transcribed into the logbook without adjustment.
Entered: 10:27
